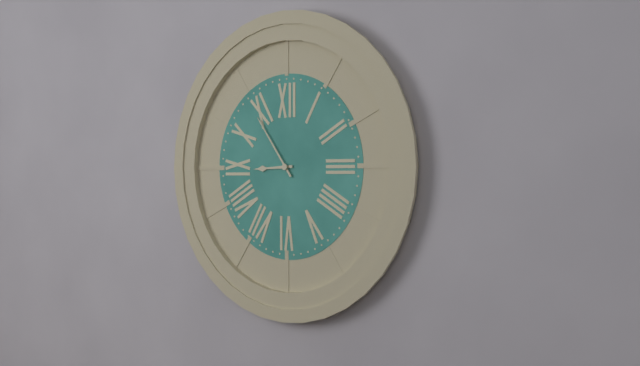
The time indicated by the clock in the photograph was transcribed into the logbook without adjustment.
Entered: 8:54
